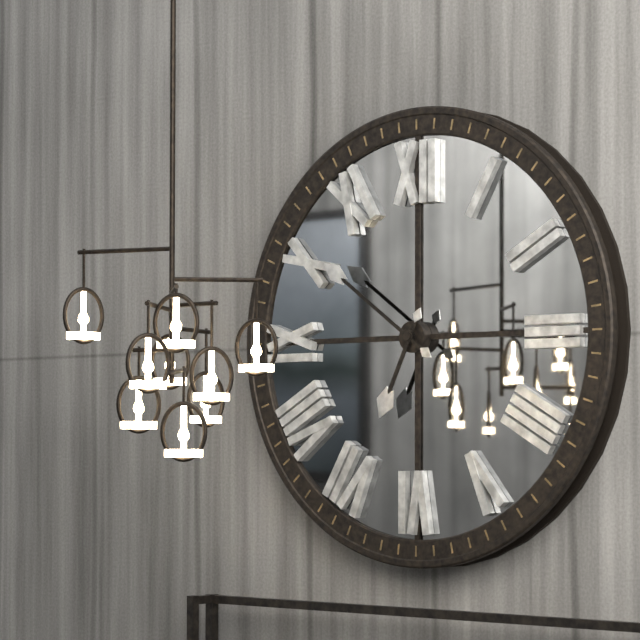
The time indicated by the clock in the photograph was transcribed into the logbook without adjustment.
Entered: 6:51
